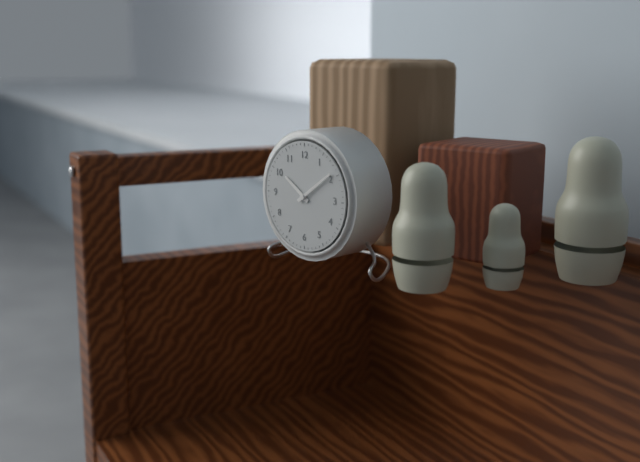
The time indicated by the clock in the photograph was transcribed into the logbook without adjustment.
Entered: 10:09
